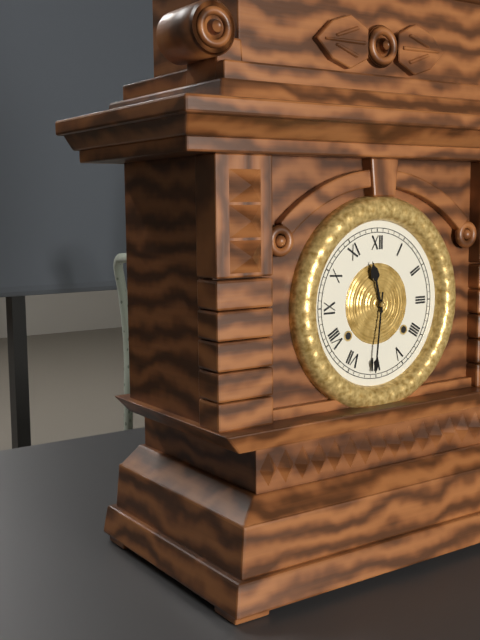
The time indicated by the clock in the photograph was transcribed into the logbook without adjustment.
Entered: 11:31
